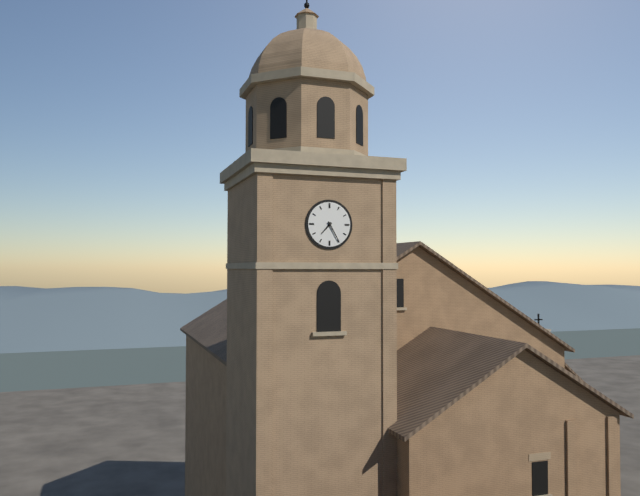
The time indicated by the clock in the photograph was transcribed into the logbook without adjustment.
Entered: 7:25
